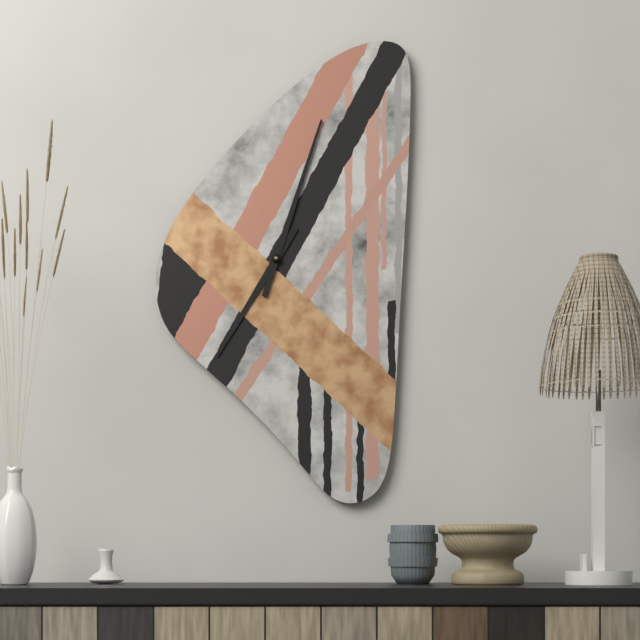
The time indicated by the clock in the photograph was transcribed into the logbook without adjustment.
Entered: 7:03
